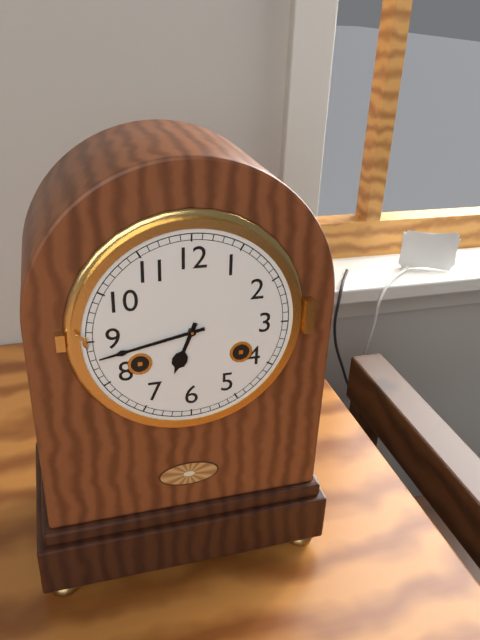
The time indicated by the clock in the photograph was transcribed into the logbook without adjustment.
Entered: 6:43
